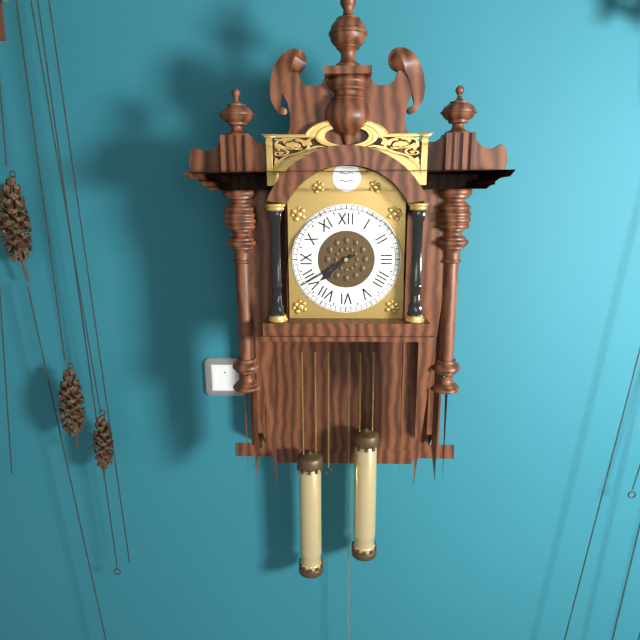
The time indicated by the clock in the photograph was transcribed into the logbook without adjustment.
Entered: 7:40
